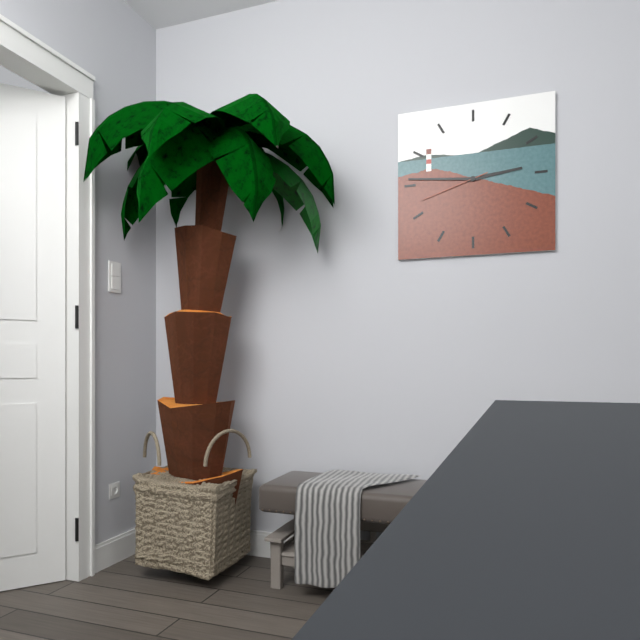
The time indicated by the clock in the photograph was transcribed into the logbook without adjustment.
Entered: 2:46:42
